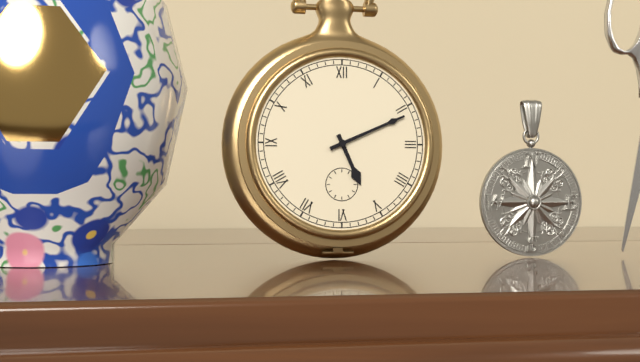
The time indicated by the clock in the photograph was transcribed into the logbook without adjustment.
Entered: 5:11
